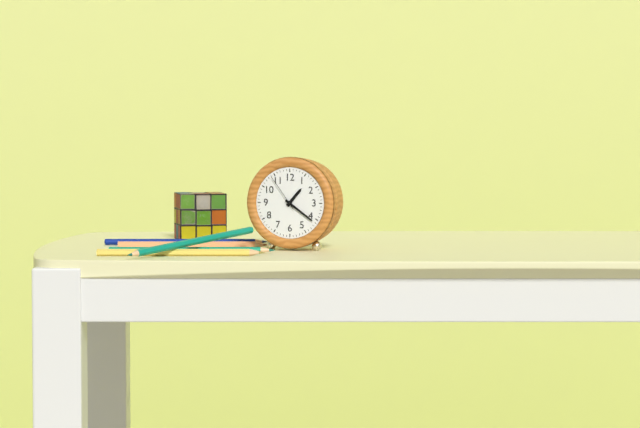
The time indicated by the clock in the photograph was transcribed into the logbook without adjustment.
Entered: 1:21
